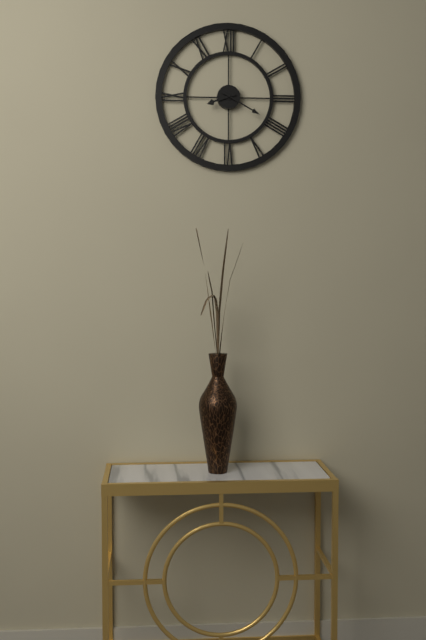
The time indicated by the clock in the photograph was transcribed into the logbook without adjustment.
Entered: 8:20
